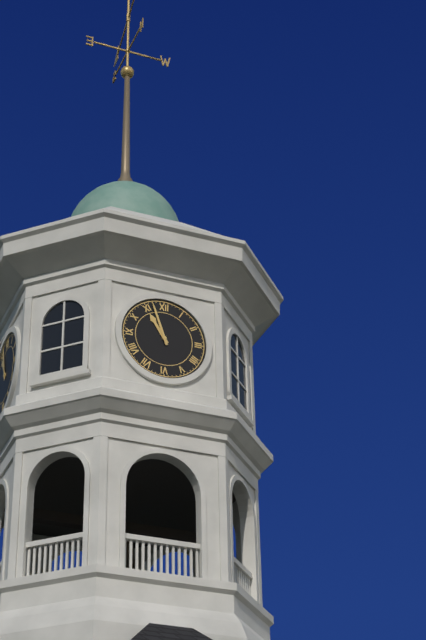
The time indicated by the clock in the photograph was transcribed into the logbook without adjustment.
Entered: 10:57
